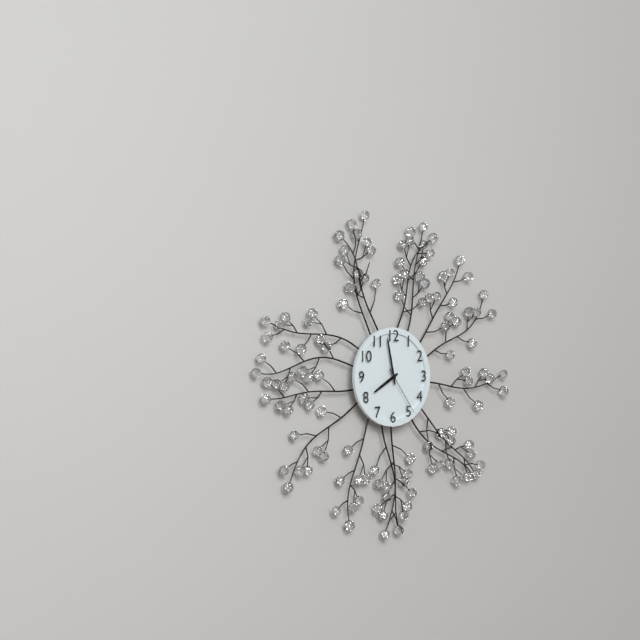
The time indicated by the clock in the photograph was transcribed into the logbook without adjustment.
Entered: 7:58
